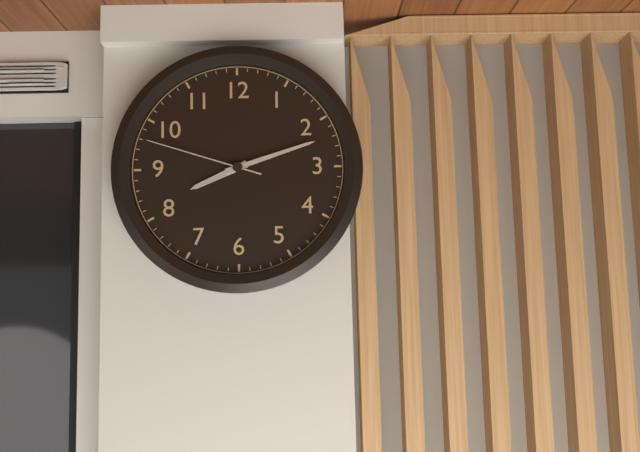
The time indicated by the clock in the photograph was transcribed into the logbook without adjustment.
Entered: 8:12:48
